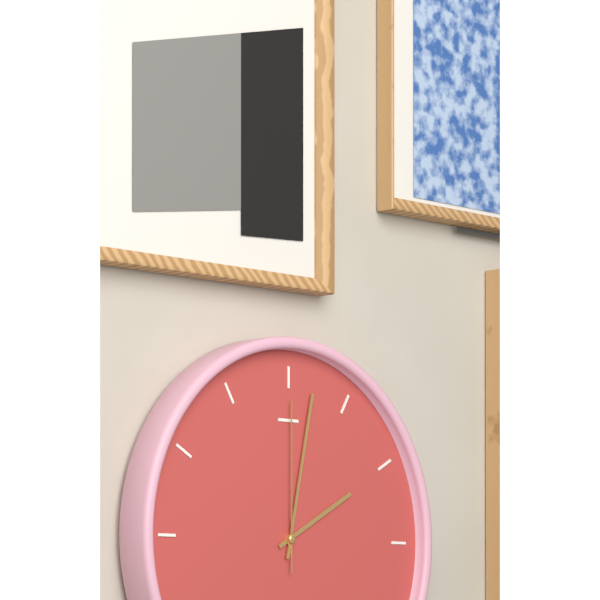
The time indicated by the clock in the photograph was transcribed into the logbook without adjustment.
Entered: 2:02:00
